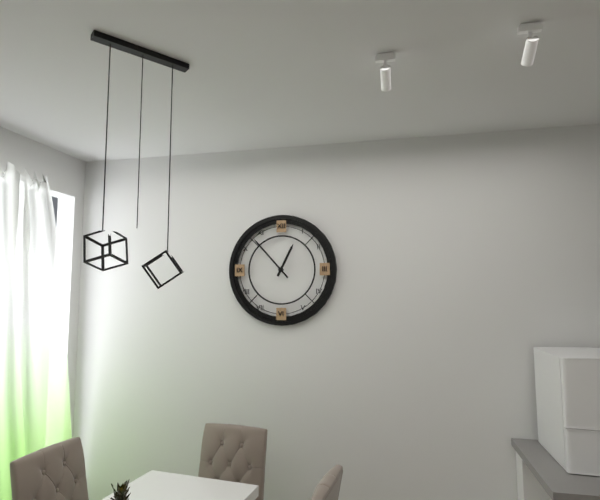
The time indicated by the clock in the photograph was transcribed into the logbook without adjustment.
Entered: 12:53
